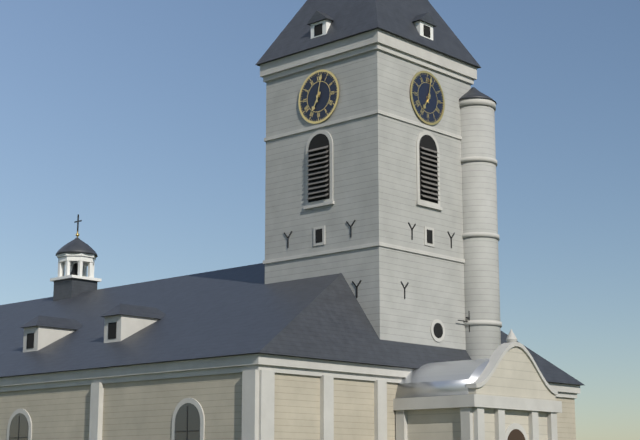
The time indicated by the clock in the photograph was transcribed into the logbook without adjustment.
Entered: 7:02
